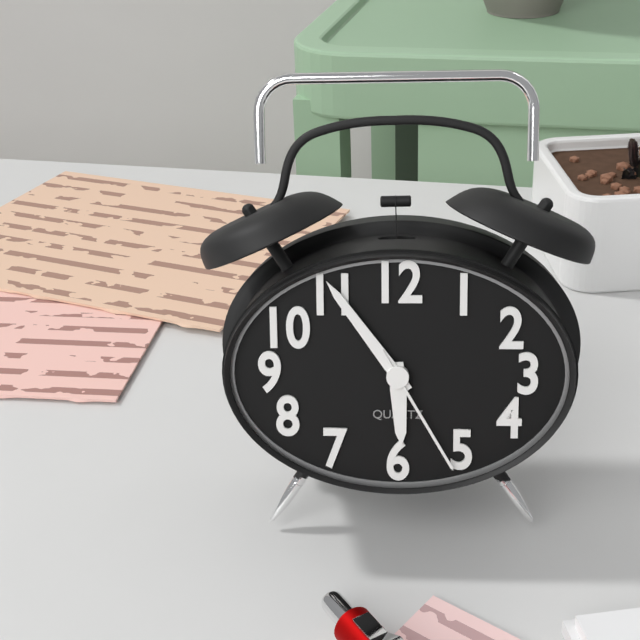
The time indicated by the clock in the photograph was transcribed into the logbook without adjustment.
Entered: 5:54:25
